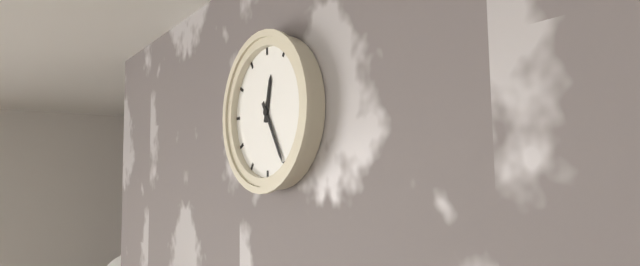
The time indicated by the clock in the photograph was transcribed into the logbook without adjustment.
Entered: 12:25
